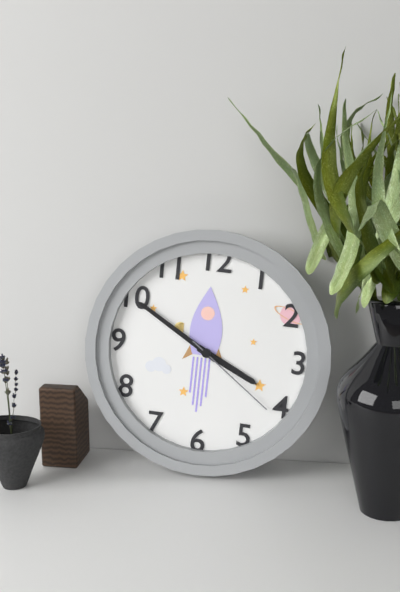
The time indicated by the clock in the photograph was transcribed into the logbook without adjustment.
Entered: 3:50:21
